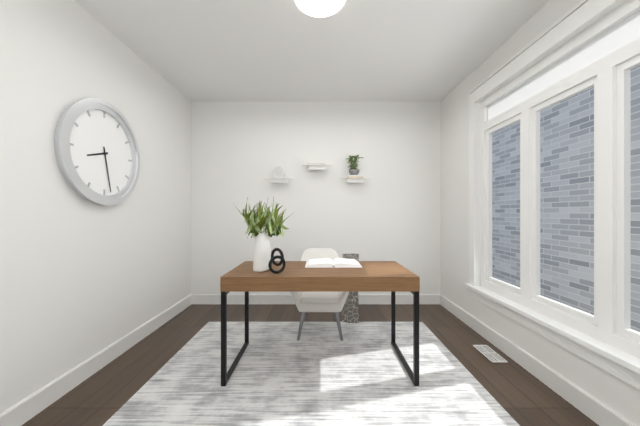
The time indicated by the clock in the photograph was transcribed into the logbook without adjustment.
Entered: 8:28
